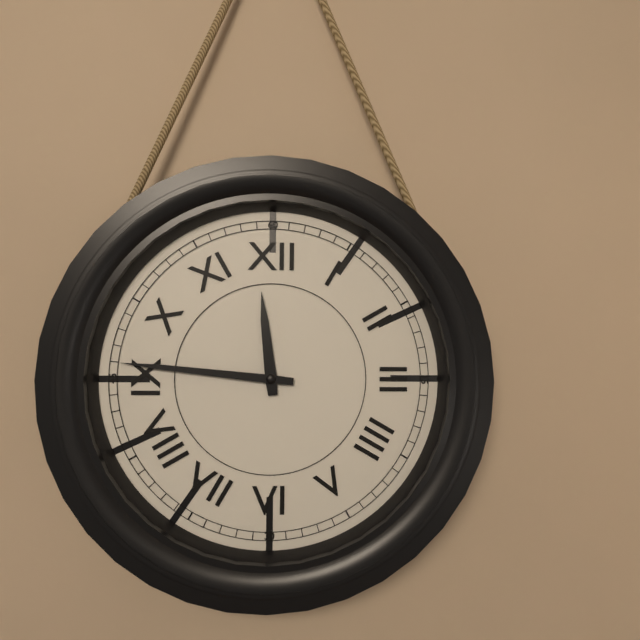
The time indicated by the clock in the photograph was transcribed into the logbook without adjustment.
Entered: 11:46
